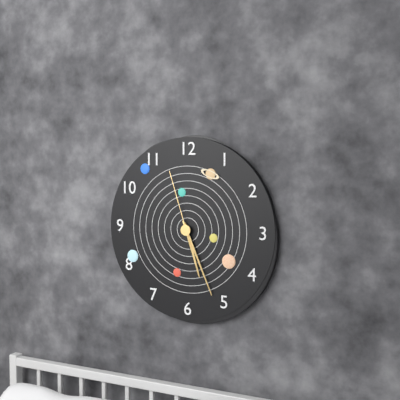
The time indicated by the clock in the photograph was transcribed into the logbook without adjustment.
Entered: 5:26:57
